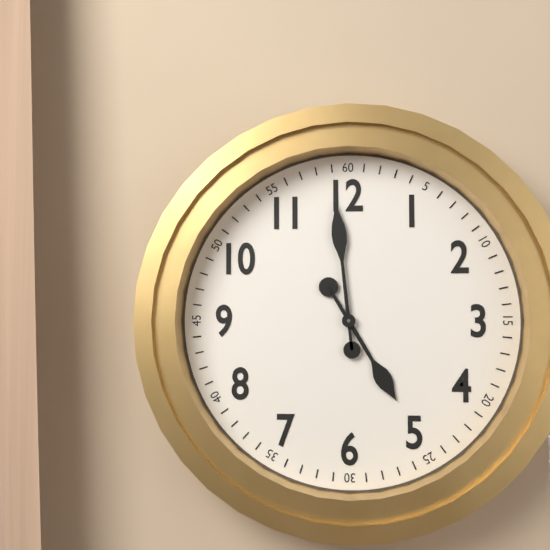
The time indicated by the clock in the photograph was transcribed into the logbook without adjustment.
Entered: 4:59
